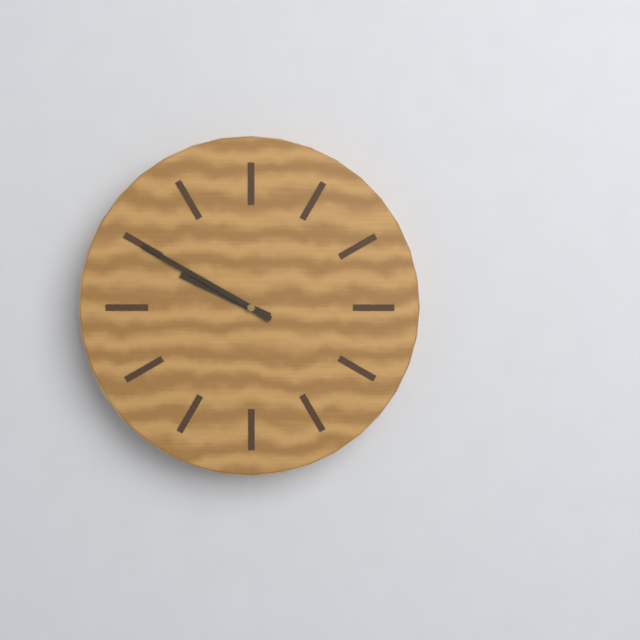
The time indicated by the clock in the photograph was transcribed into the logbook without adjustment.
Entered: 9:50
